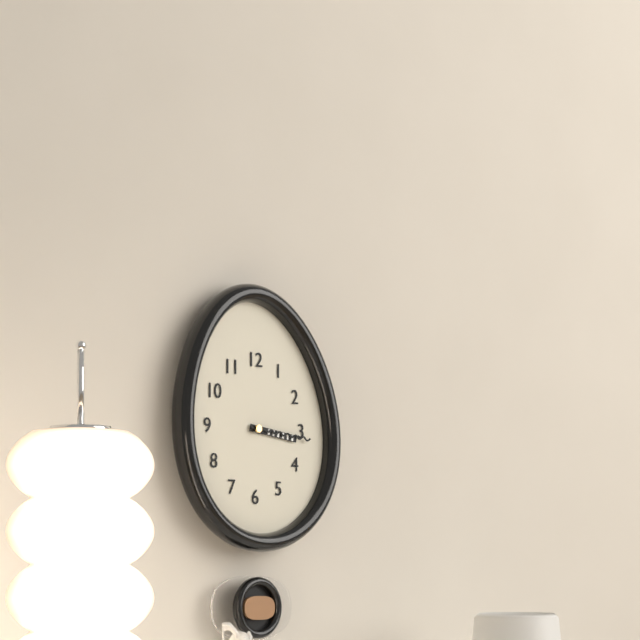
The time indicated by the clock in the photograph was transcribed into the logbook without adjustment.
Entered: 3:16
